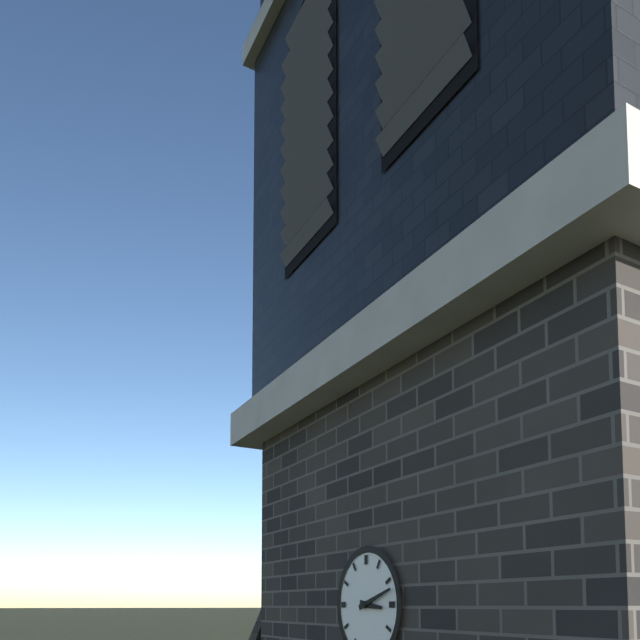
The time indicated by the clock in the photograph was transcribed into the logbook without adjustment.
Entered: 3:12
